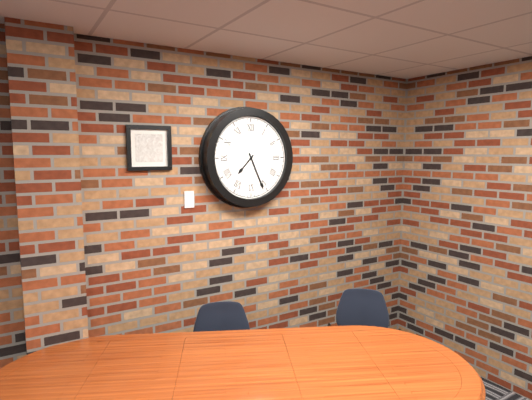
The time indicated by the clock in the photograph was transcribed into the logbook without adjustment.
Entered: 7:26
